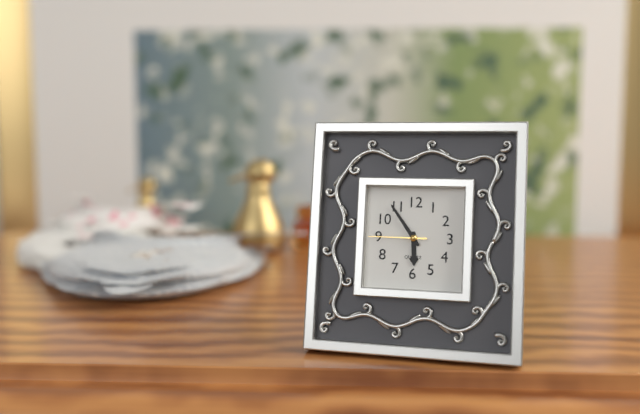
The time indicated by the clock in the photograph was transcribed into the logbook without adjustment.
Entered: 5:54:45
